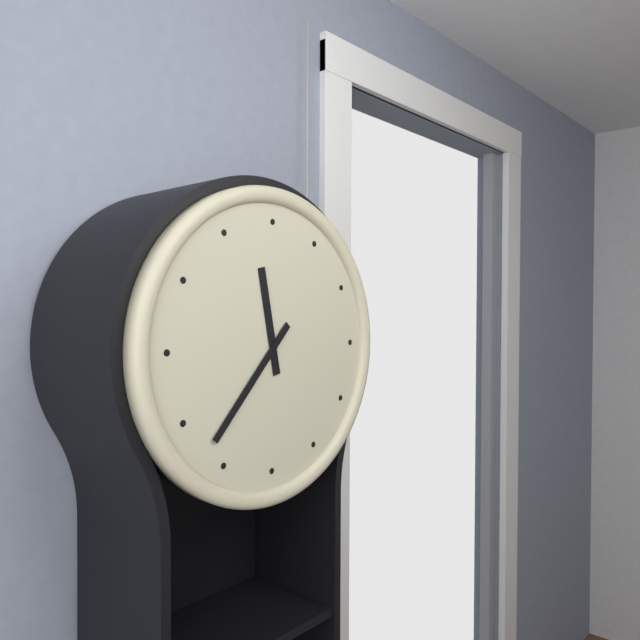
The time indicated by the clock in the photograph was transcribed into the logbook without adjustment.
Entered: 11:37
